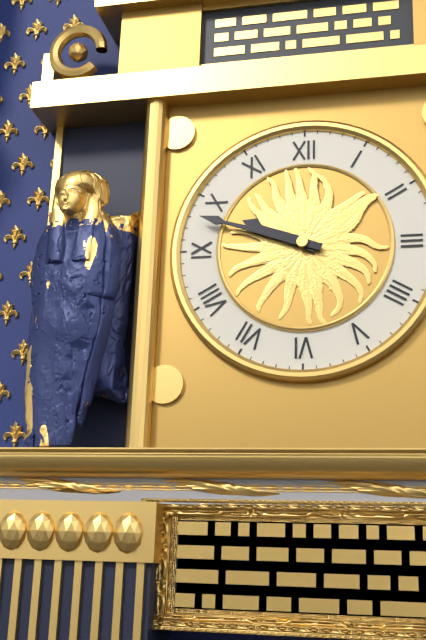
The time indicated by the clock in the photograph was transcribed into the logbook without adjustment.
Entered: 9:48
